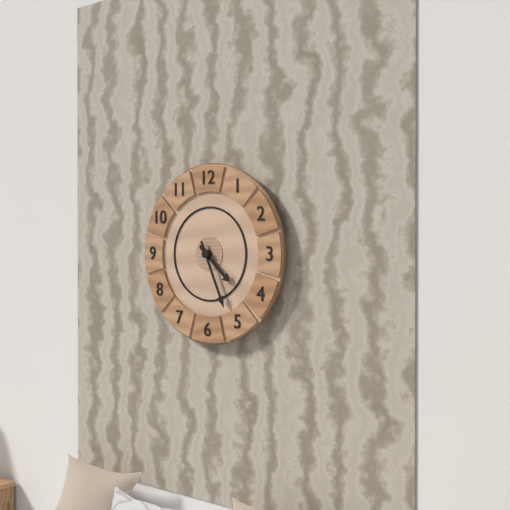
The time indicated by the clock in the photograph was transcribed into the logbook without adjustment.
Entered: 4:26
